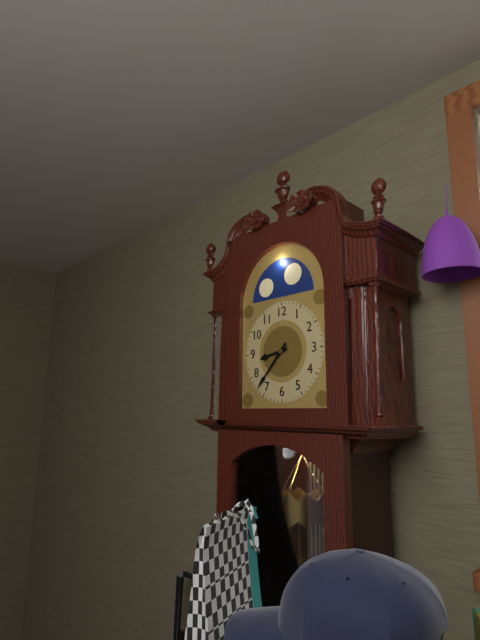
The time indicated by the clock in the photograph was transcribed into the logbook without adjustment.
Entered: 8:37
